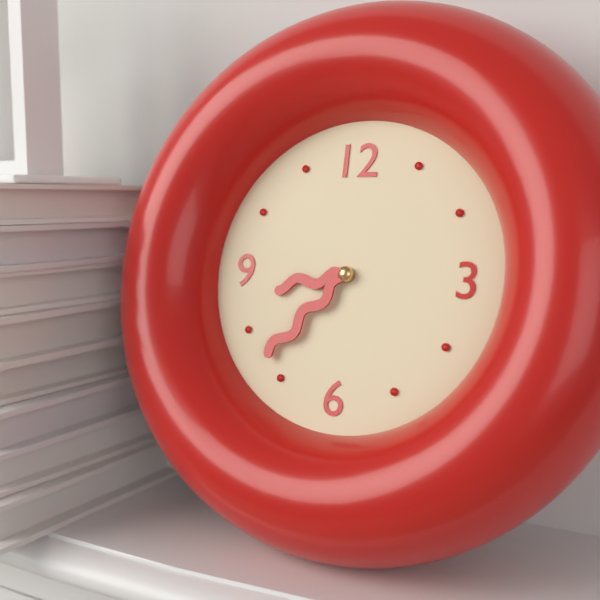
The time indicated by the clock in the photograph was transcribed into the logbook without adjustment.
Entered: 8:37
